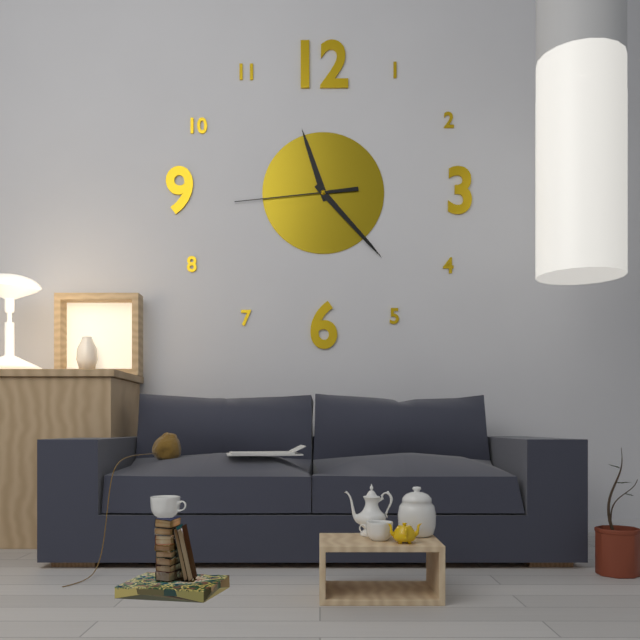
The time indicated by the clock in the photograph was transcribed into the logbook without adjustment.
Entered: 11:23:44
